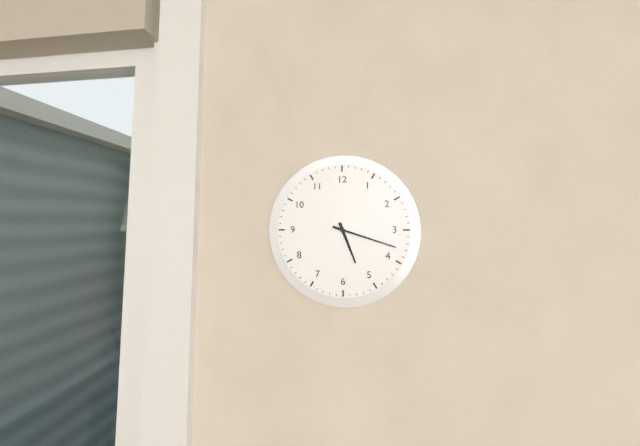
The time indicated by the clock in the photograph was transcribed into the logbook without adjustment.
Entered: 5:18
